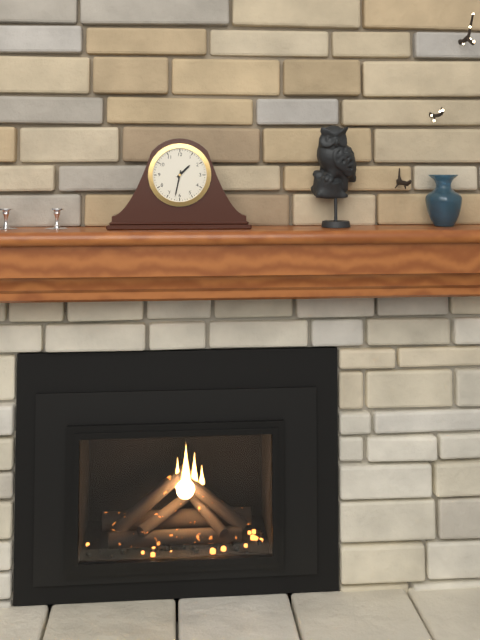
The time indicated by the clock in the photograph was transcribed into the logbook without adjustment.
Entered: 1:32
